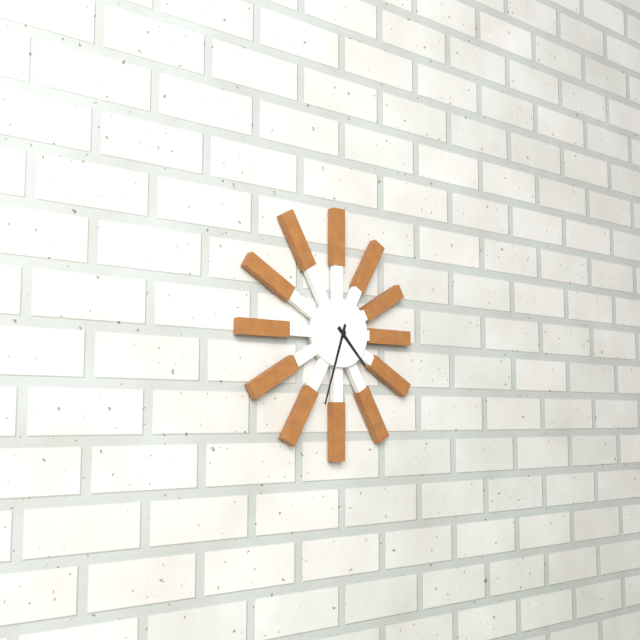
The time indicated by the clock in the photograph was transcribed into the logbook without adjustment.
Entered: 4:33
